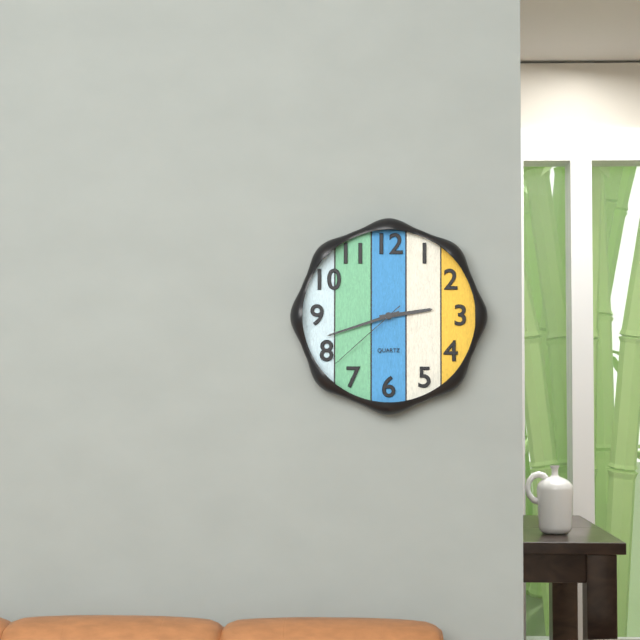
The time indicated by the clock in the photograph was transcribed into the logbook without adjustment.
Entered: 2:42:38
